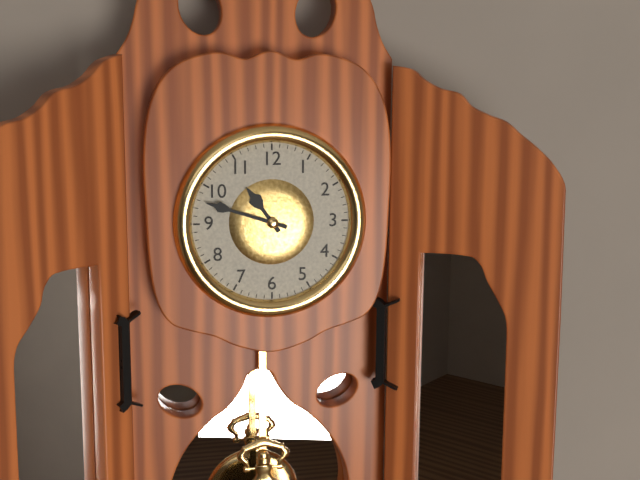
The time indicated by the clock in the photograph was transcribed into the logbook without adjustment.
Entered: 10:48
